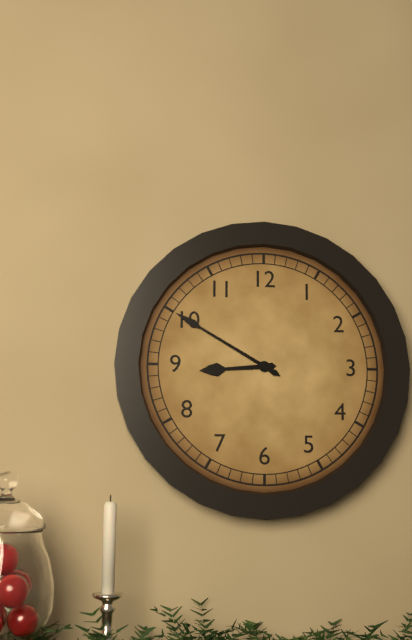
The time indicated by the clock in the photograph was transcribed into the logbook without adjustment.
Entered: 8:50
